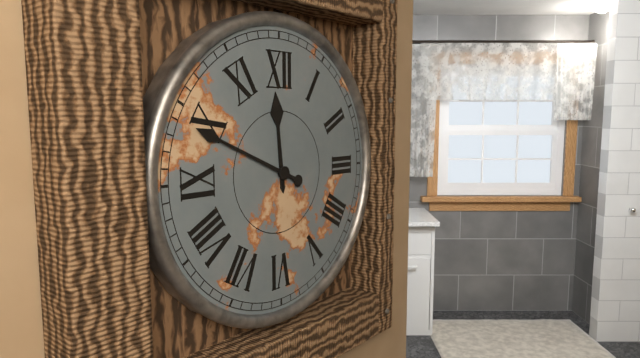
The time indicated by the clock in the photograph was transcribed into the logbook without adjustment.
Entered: 11:49
